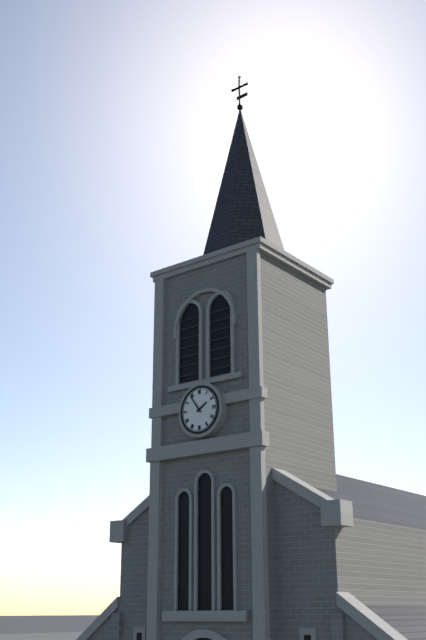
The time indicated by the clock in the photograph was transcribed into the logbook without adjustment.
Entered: 1:54
